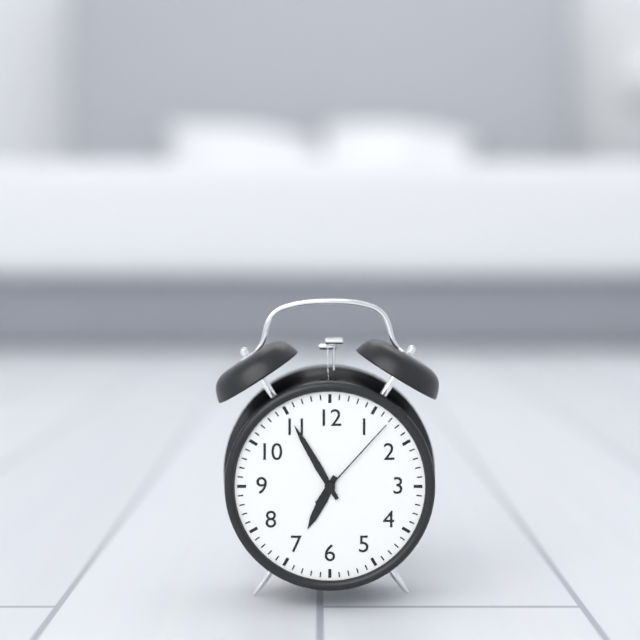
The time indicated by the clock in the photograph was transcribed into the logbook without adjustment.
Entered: 6:55:07
